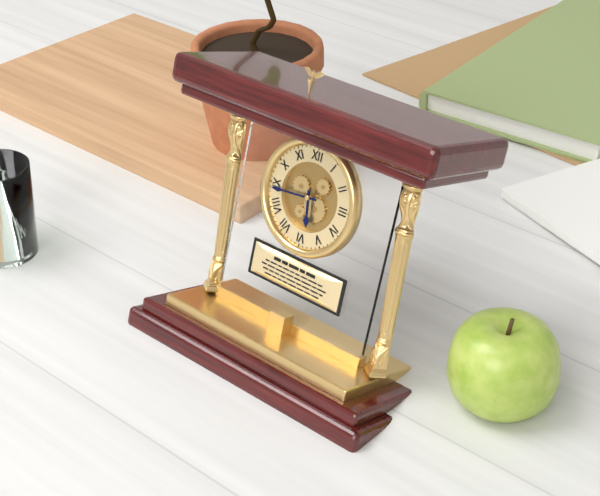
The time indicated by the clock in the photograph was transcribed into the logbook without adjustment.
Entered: 5:44
